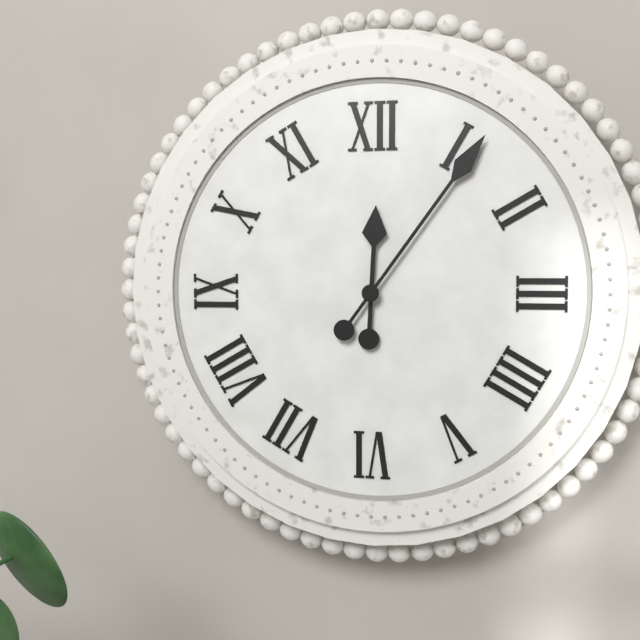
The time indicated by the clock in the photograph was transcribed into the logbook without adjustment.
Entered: 12:06
